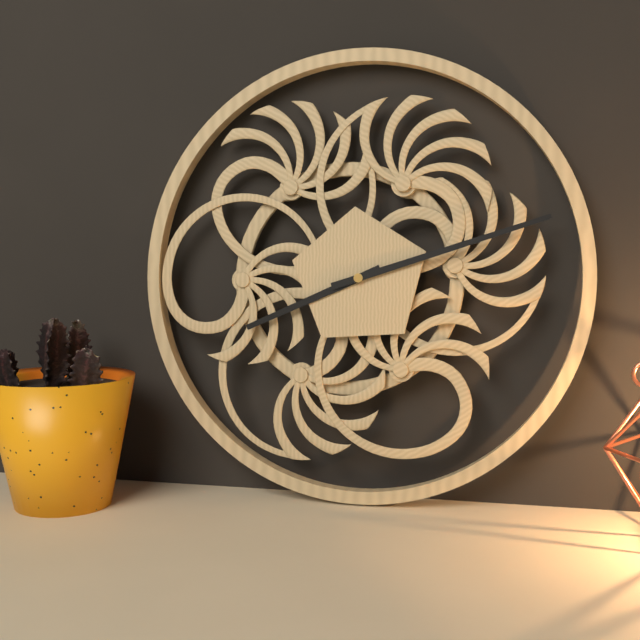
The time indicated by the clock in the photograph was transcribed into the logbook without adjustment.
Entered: 8:12
